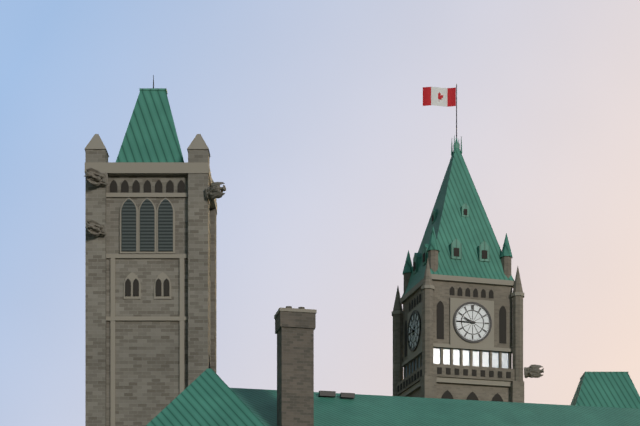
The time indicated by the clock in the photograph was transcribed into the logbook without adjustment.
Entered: 9:45
